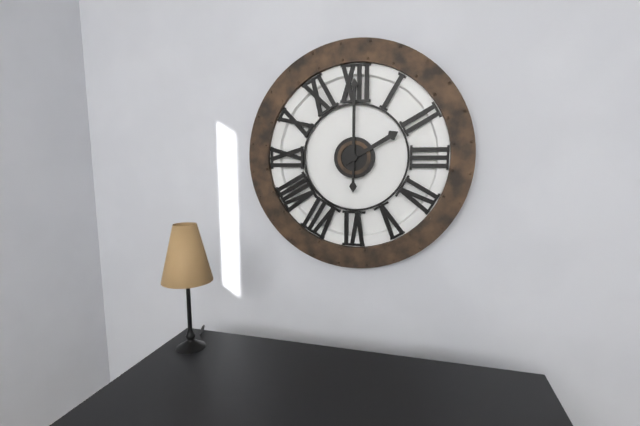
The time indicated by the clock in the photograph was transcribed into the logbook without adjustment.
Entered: 2:00
